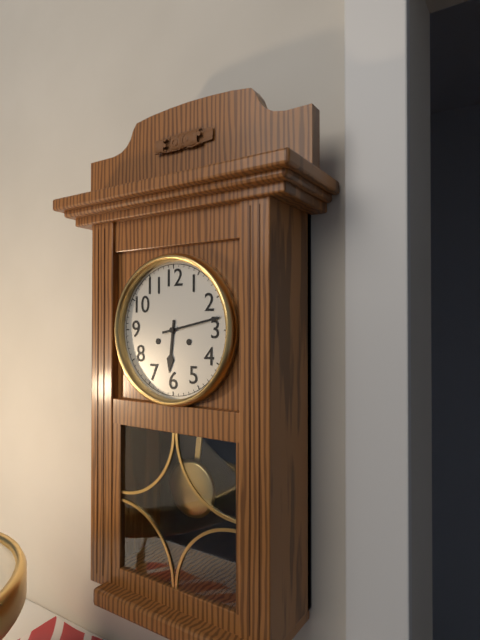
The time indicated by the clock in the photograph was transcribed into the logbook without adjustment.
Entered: 6:13
